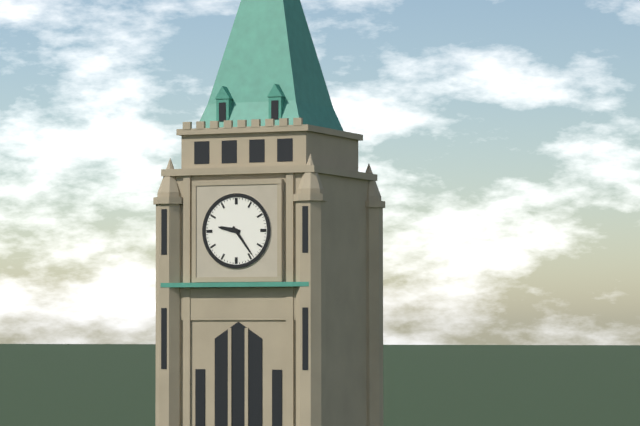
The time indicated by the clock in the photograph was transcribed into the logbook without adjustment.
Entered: 9:24
